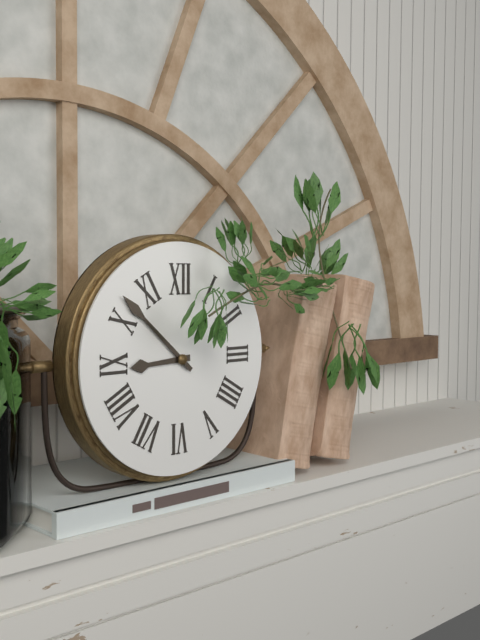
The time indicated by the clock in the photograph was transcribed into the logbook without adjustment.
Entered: 8:52
